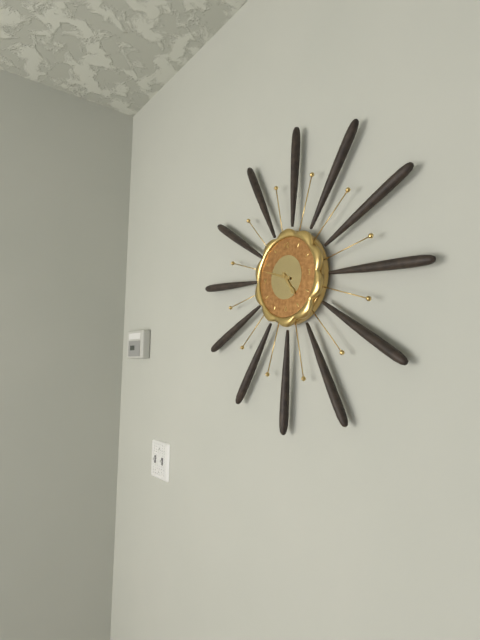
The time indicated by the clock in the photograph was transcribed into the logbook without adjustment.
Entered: 4:48
